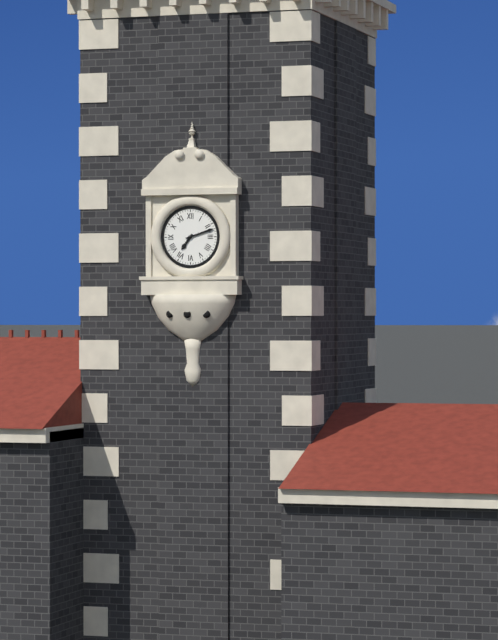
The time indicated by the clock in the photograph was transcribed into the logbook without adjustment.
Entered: 7:12
